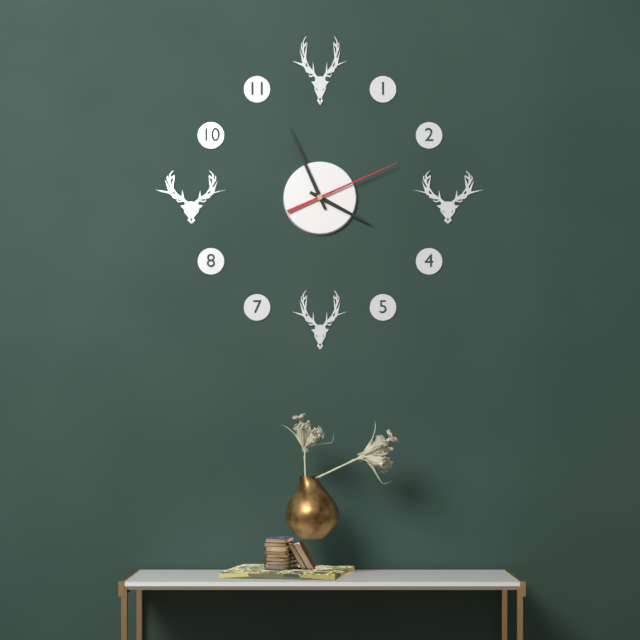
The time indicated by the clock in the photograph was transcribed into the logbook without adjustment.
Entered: 3:56:11
